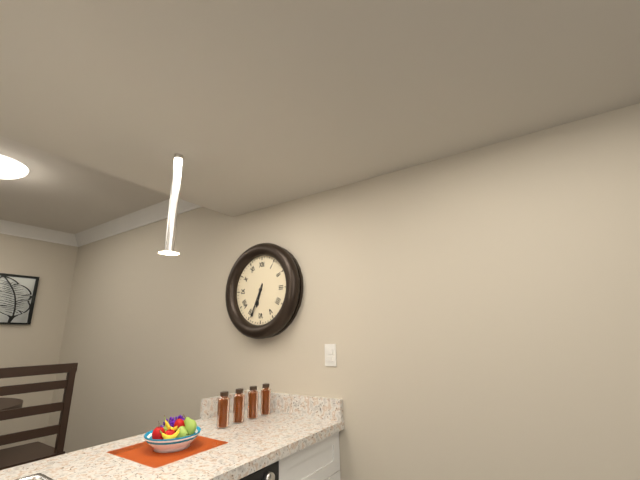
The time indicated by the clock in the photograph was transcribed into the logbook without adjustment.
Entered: 6:34
